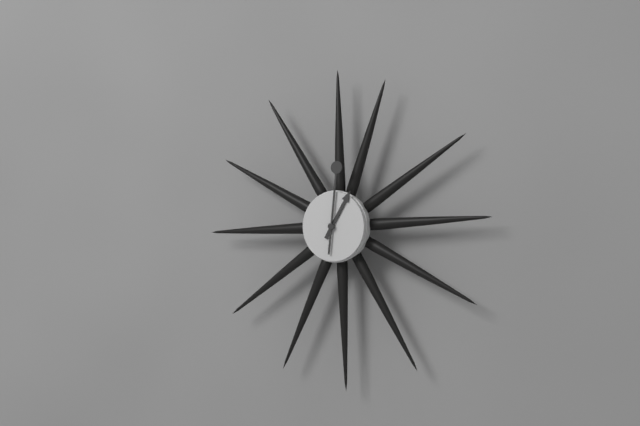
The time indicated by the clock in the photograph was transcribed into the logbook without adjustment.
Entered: 1:01
